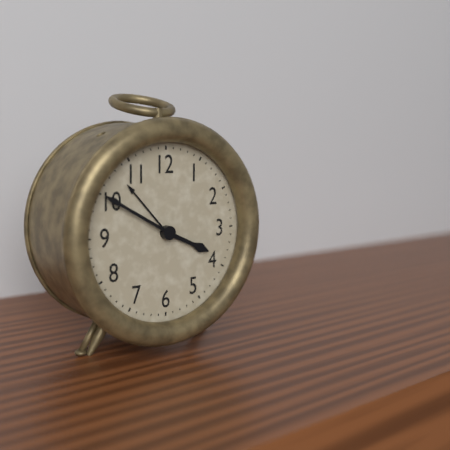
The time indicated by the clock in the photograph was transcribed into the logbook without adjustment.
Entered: 3:50
